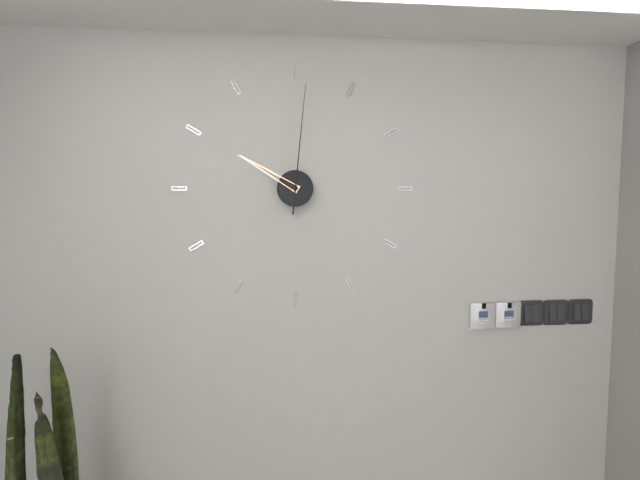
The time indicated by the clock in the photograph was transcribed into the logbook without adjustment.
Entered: 10:01
